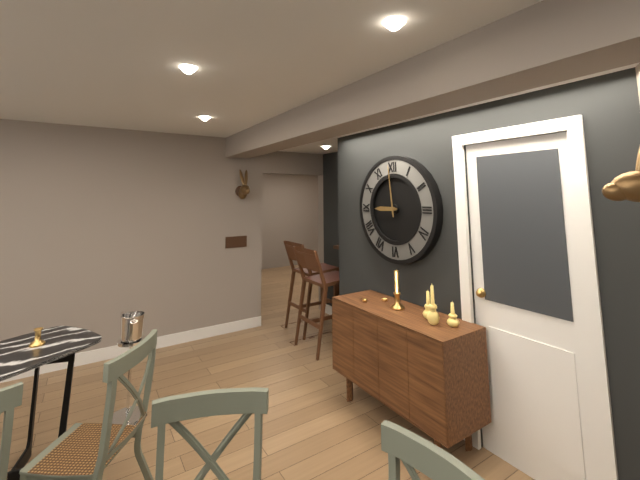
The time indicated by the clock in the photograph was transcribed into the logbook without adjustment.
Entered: 8:59
